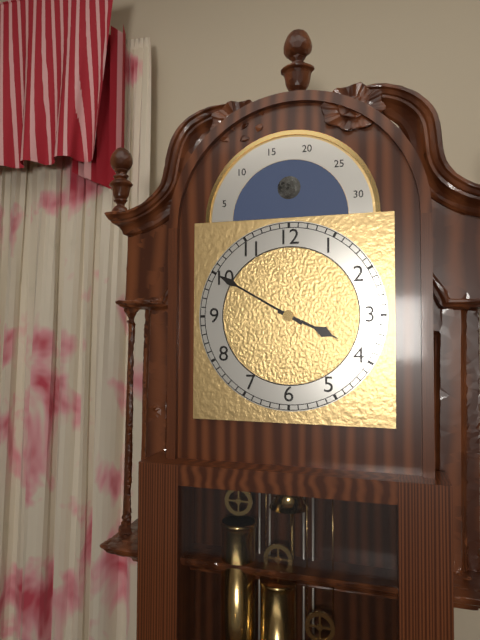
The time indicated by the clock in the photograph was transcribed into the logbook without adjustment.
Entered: 3:50
